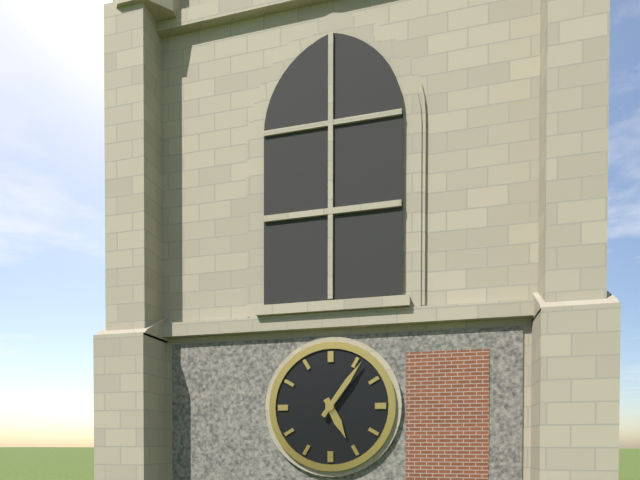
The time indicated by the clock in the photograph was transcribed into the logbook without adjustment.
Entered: 5:06
